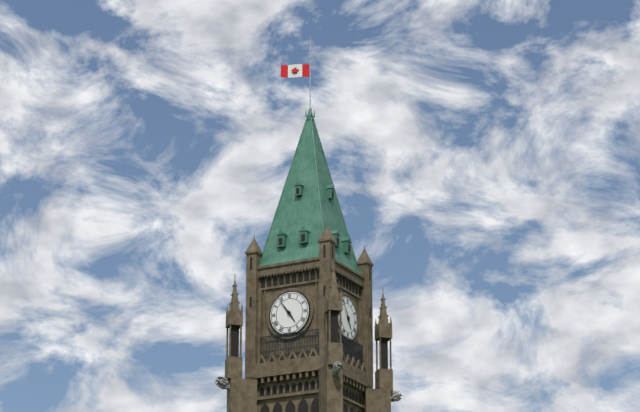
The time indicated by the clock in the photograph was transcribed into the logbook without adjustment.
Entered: 4:54
